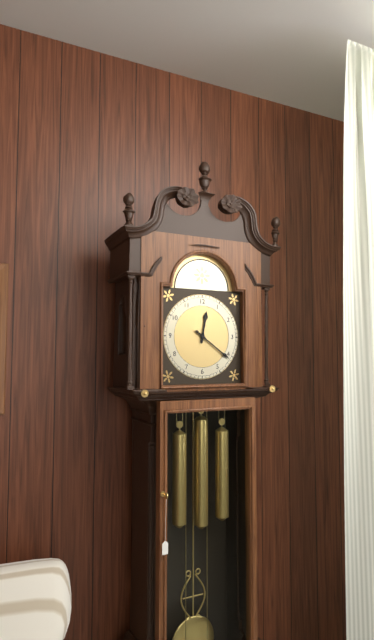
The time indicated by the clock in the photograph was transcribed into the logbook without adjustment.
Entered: 12:21
